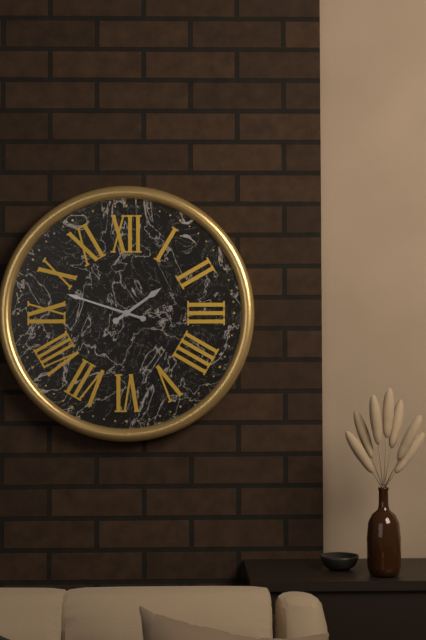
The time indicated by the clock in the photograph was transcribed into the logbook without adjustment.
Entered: 1:48
